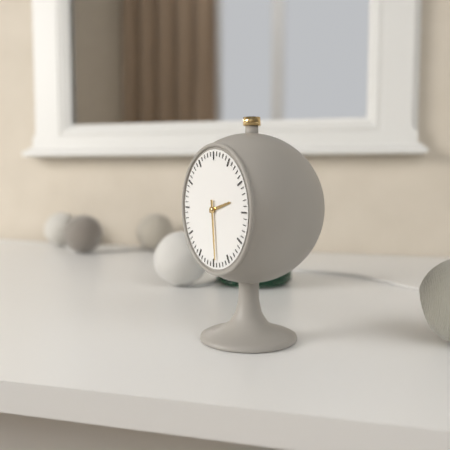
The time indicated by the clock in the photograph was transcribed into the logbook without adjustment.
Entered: 2:29
